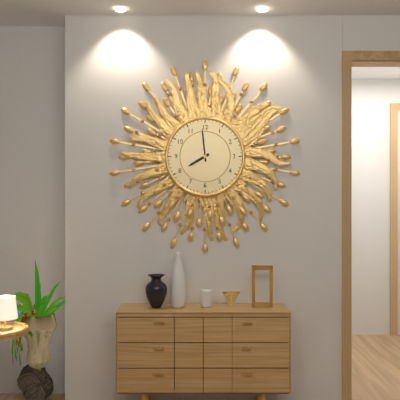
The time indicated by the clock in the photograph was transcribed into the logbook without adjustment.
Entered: 7:59
